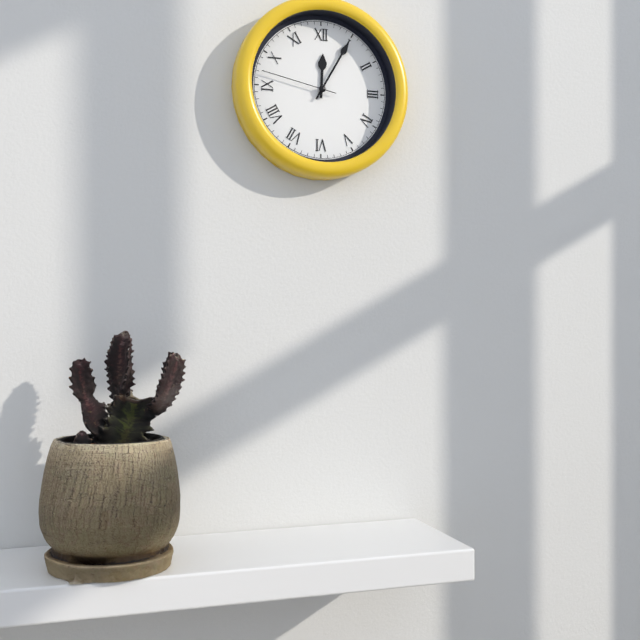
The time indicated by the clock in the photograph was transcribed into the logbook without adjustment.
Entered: 12:05:47
